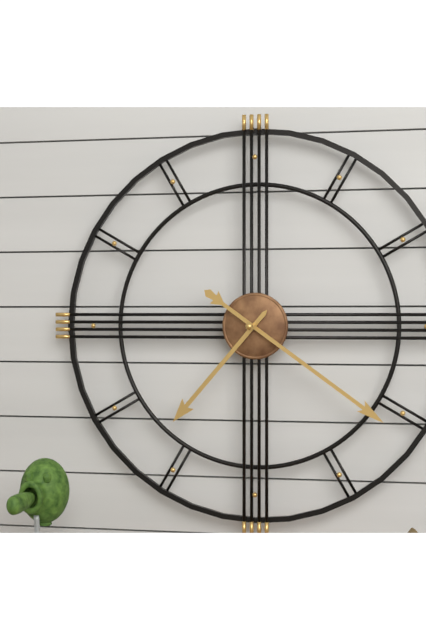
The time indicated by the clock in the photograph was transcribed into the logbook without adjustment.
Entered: 7:21
